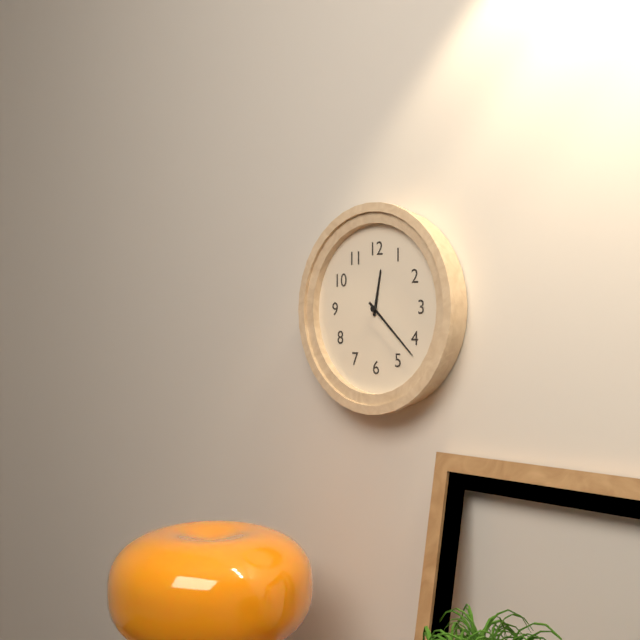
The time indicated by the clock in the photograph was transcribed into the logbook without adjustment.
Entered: 12:22
